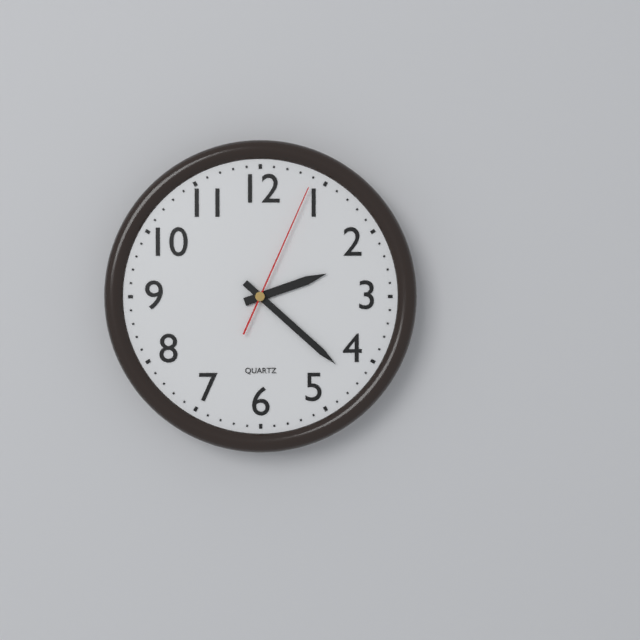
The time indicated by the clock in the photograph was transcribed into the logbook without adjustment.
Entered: 2:22:04
